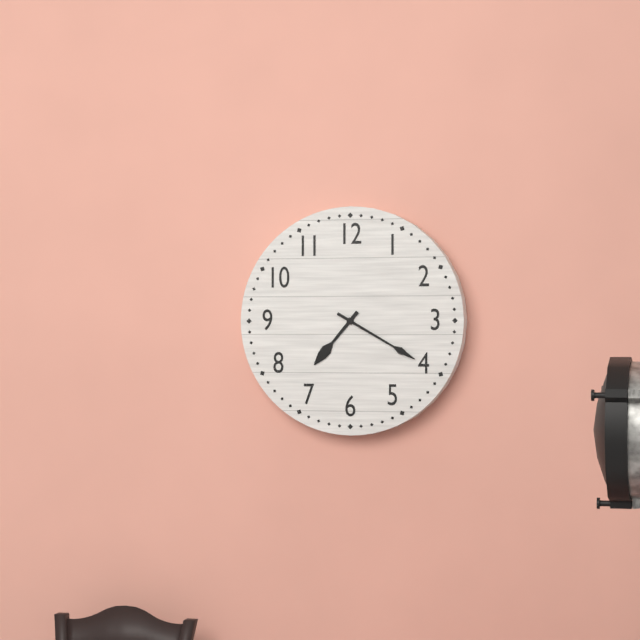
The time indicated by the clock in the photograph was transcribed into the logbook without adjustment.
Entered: 7:20
